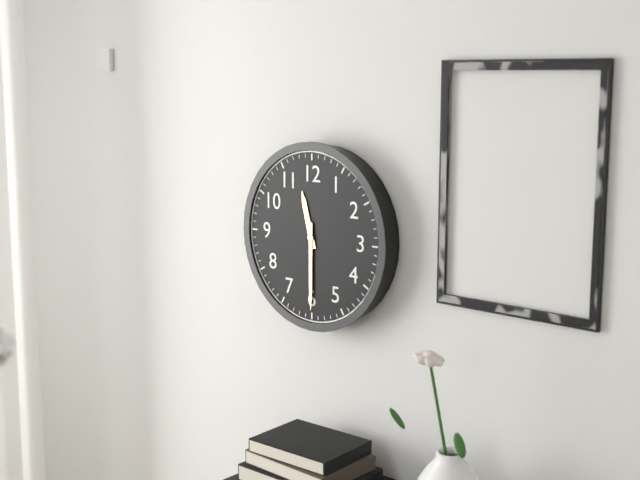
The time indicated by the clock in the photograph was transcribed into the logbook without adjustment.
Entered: 11:30
